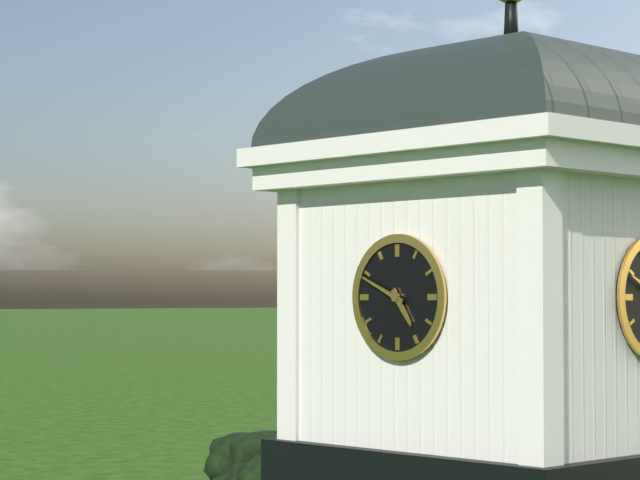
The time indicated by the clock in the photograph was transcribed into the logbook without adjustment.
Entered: 4:49
